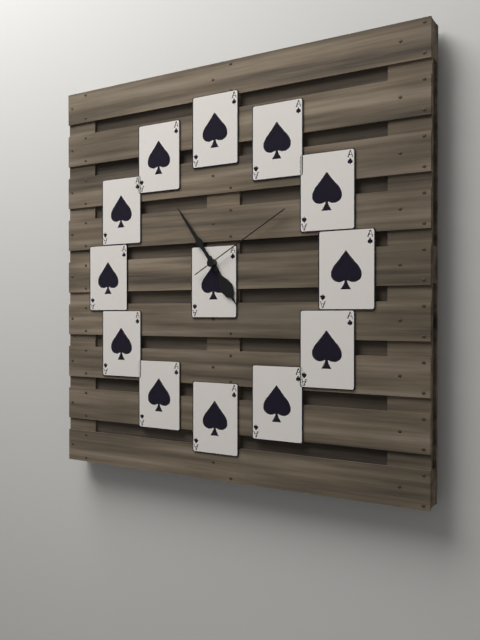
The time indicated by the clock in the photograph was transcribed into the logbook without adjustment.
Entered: 4:54:10
